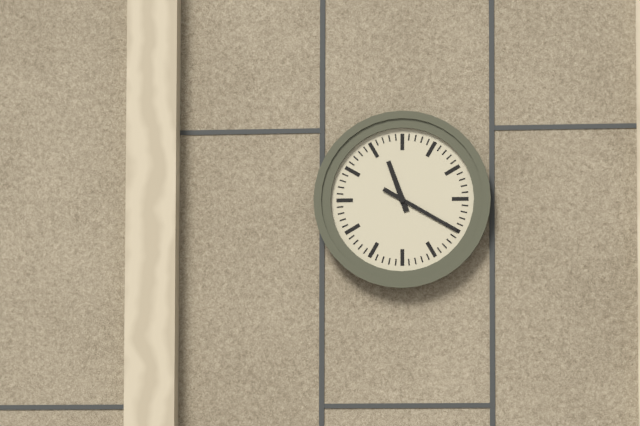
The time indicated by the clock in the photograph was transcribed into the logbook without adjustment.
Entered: 11:20
